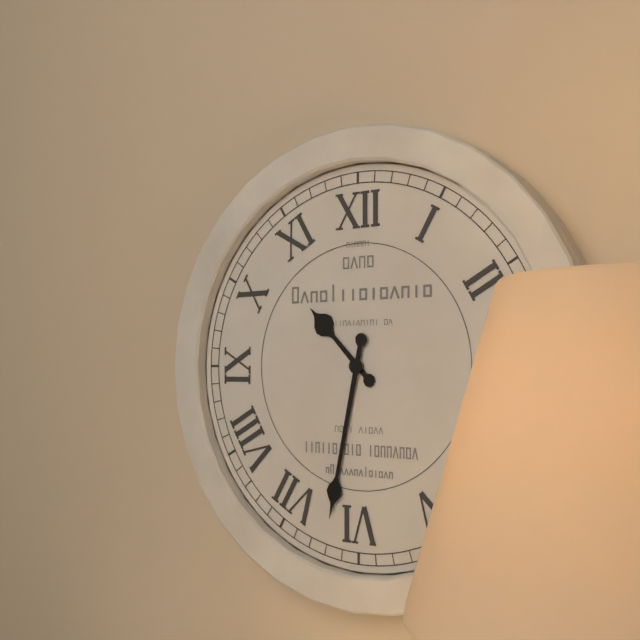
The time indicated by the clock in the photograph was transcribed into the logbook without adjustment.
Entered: 10:32
